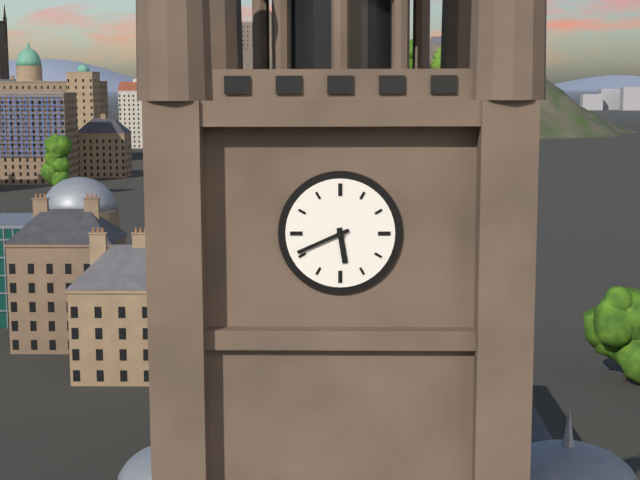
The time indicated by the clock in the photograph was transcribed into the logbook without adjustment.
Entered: 5:41
